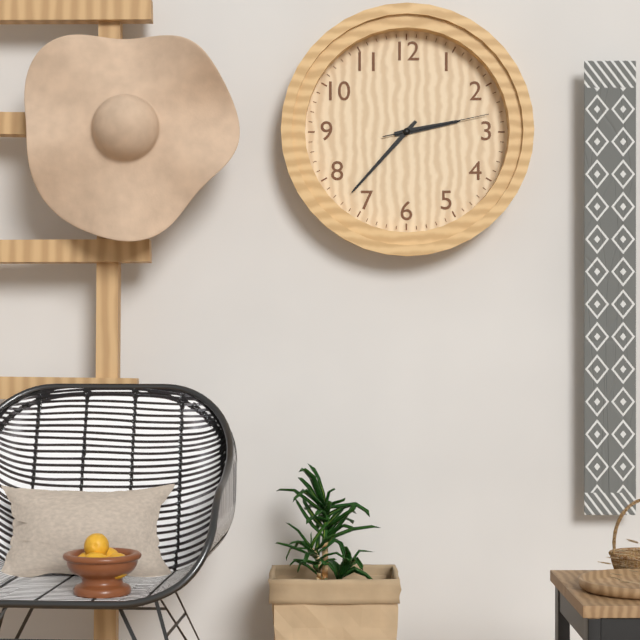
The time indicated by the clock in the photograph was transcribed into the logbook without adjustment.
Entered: 2:37:13
